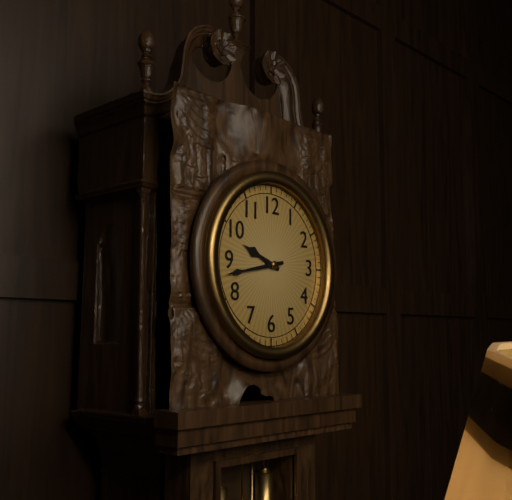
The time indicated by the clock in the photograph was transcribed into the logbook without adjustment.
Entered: 9:43
